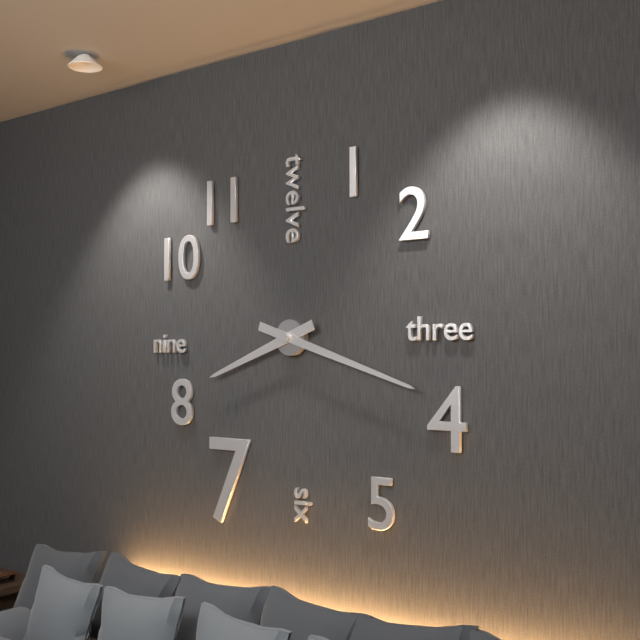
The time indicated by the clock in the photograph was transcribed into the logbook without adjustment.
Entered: 8:18
